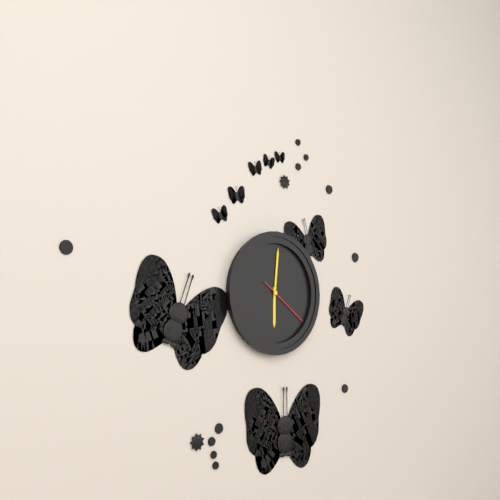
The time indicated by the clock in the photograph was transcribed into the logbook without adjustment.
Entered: 6:01:21
